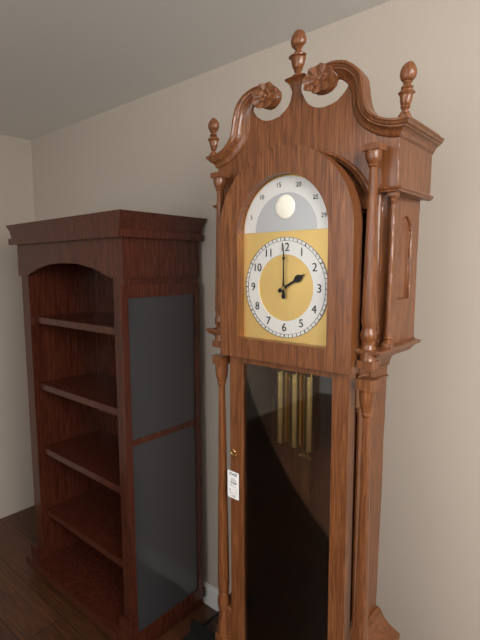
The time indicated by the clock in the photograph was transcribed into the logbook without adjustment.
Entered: 2:00
